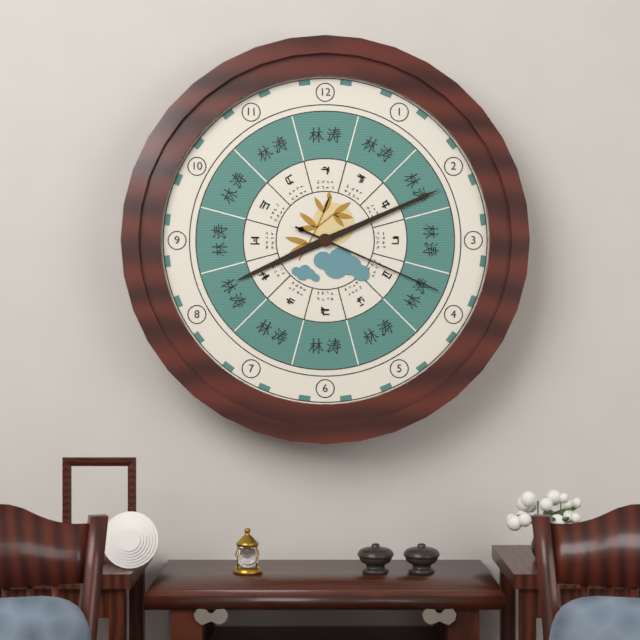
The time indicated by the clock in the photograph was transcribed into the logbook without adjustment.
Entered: 8:11:19
